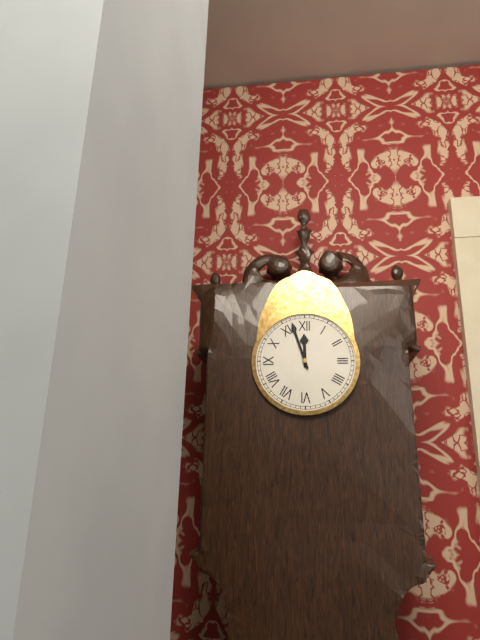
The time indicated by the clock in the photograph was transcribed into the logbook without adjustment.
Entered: 11:57
